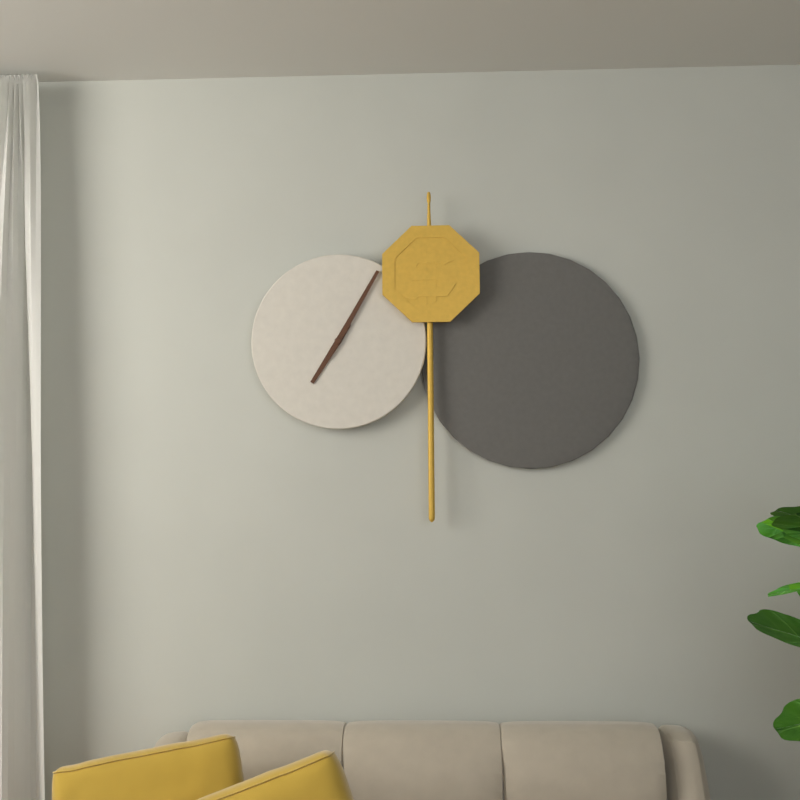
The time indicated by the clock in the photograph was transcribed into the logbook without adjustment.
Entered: 7:05
